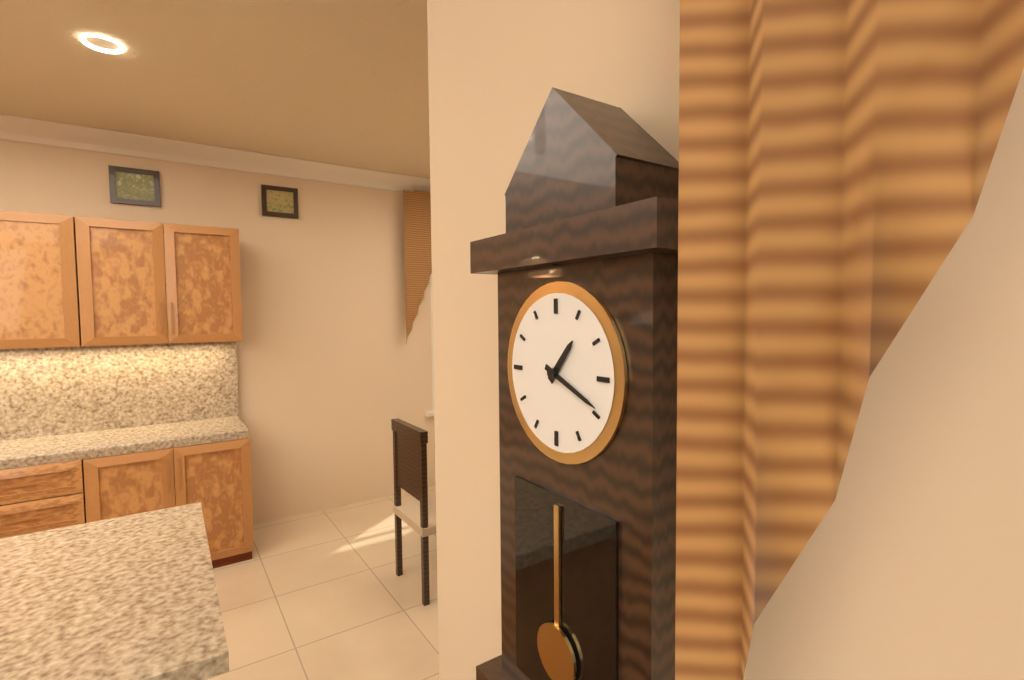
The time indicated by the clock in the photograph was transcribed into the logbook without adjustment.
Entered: 1:19
